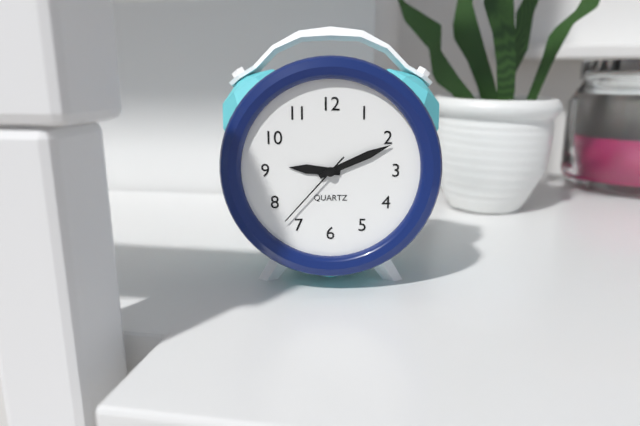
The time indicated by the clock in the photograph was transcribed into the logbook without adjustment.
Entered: 9:11:37
